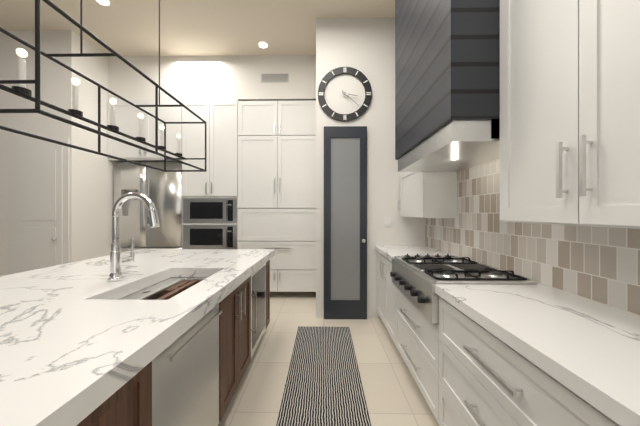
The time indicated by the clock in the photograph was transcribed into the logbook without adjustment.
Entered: 3:22
